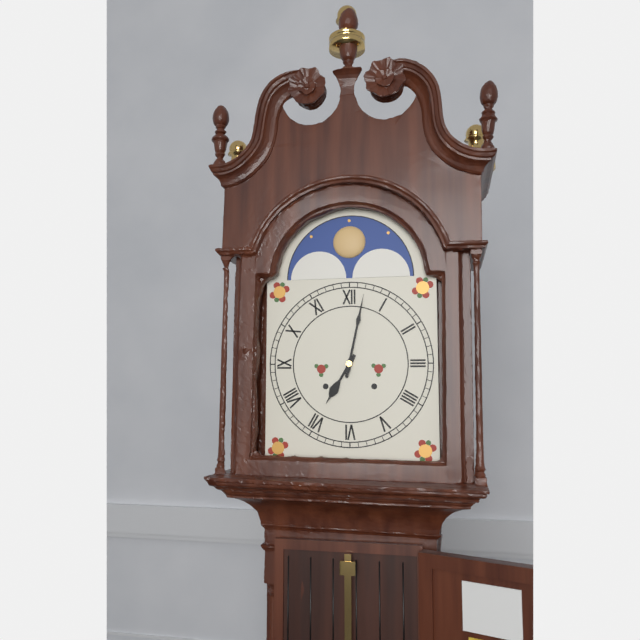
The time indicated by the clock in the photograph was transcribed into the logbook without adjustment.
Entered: 7:02
